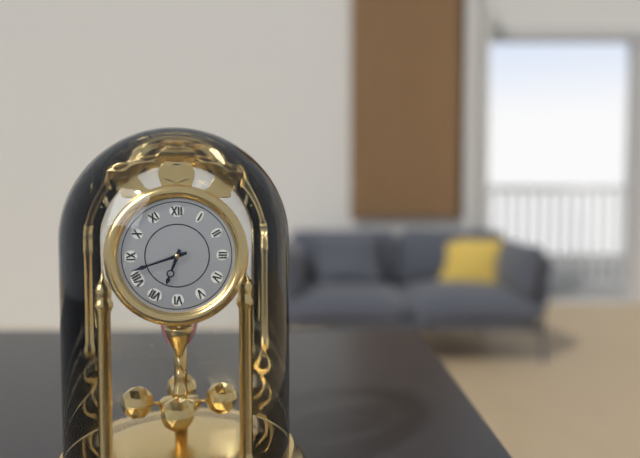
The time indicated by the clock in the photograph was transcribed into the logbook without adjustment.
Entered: 6:42
